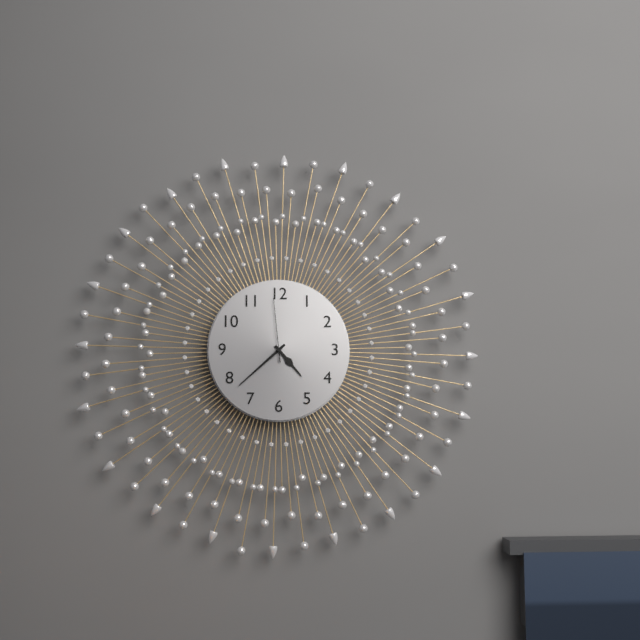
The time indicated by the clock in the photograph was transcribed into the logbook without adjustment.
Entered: 4:38:59
